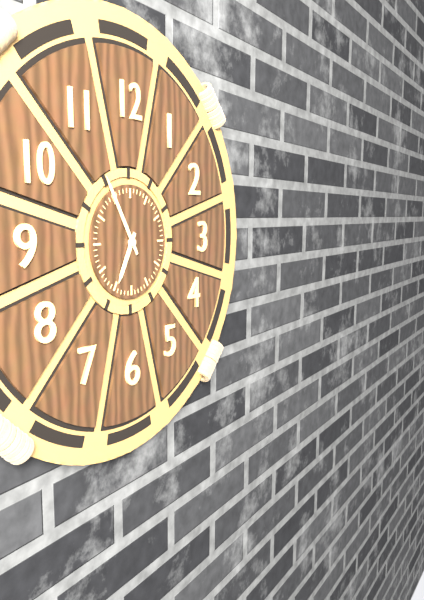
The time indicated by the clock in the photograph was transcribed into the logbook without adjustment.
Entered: 6:55
